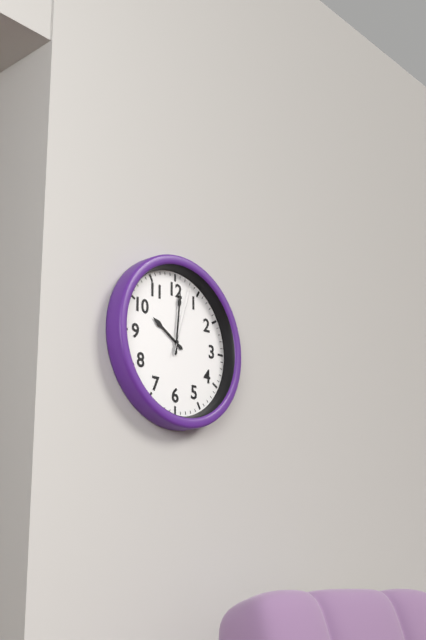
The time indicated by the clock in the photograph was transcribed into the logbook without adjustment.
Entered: 10:01:03
